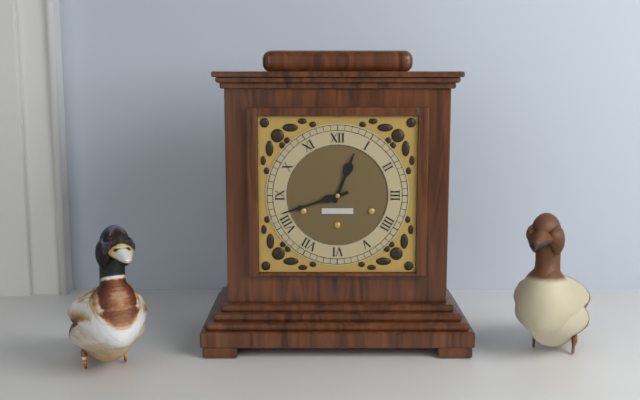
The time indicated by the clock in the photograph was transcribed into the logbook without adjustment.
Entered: 12:42
